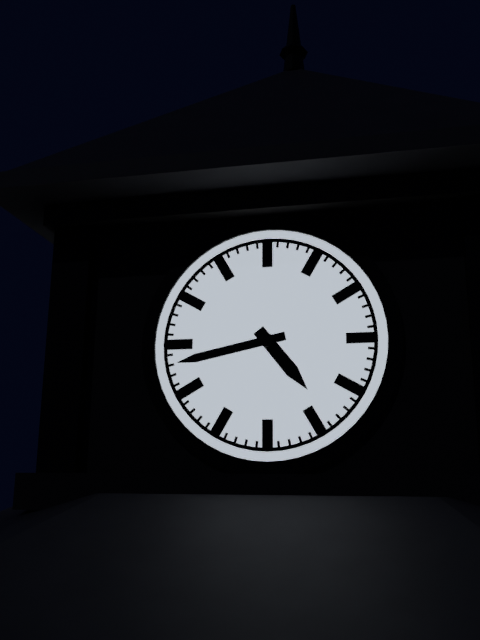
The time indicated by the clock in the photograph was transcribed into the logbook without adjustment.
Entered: 4:43
